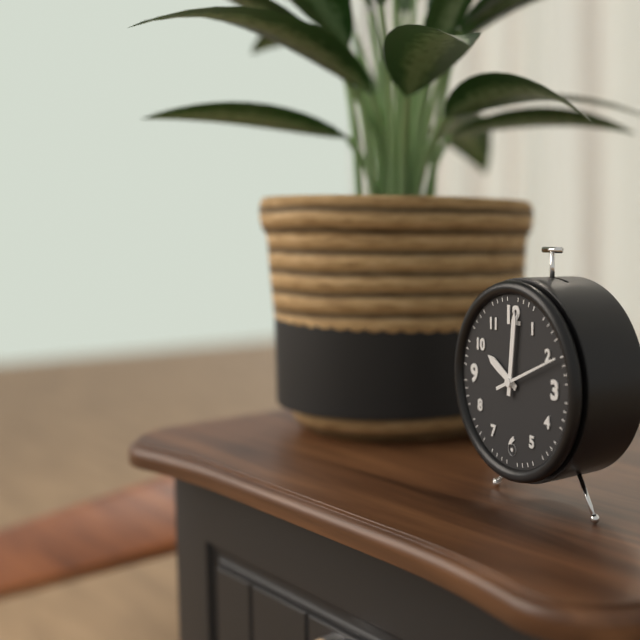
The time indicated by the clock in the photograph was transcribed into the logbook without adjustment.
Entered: 10:01:11
